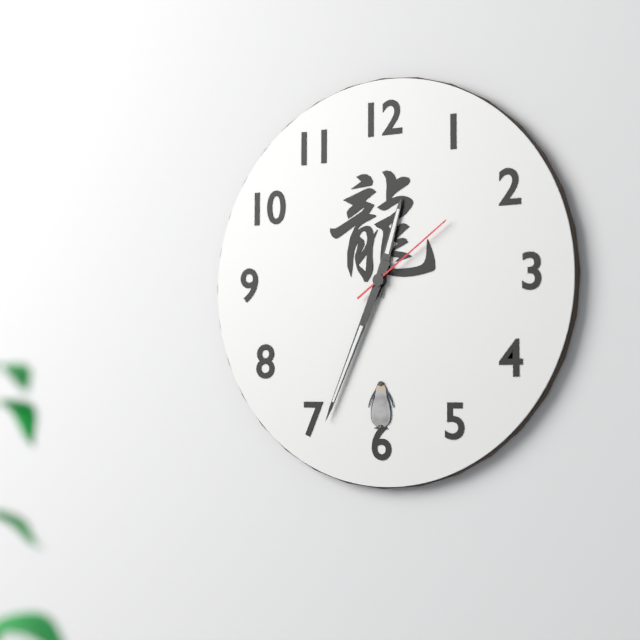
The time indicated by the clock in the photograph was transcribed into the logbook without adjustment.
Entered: 12:34:09
